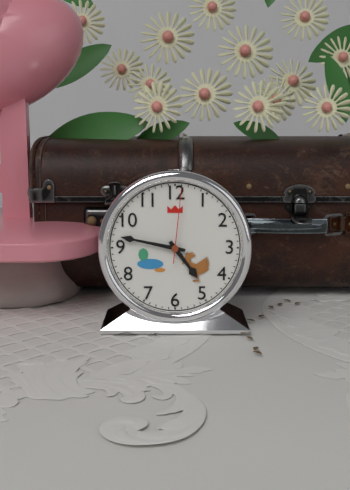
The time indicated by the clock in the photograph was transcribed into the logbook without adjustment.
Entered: 4:47:01
